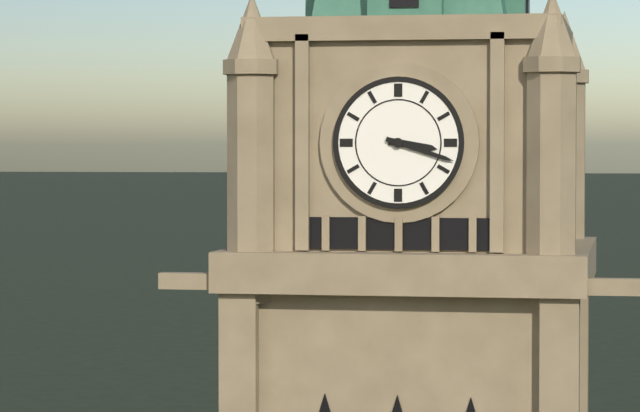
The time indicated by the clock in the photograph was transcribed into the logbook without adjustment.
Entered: 3:18
